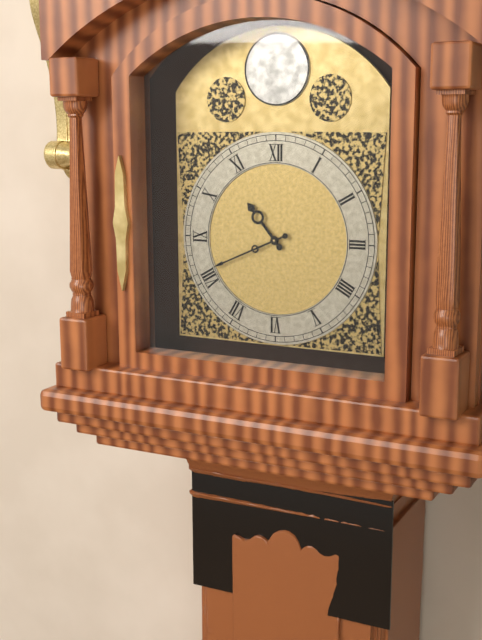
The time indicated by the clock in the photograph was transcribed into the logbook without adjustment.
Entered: 10:41
